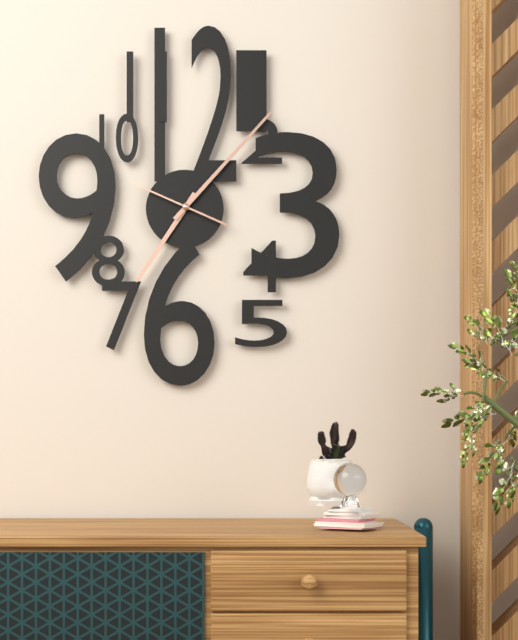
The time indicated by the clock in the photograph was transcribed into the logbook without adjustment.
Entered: 7:07:49
